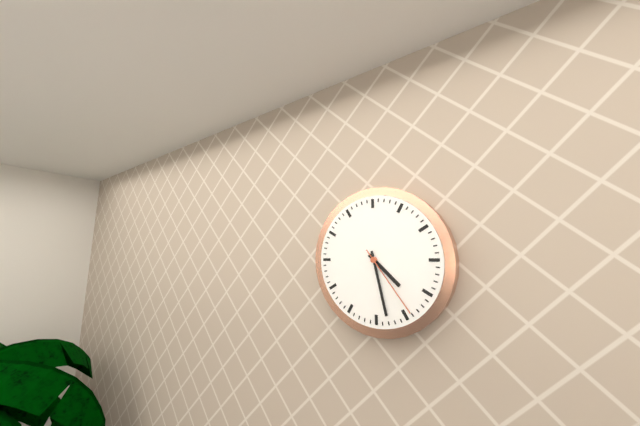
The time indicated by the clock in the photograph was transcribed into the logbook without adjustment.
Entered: 4:28:24
